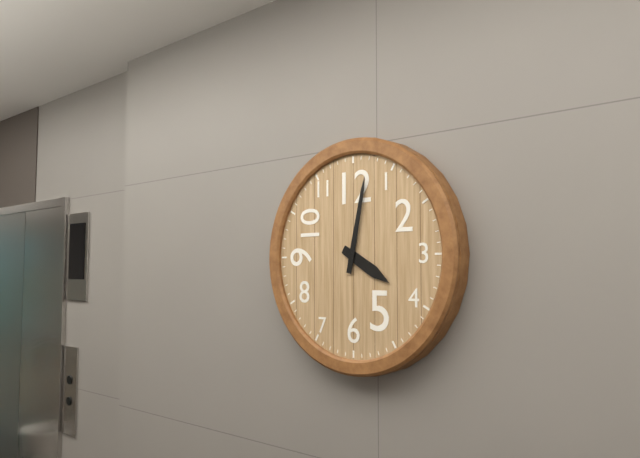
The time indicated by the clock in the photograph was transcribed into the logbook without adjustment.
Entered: 4:02
